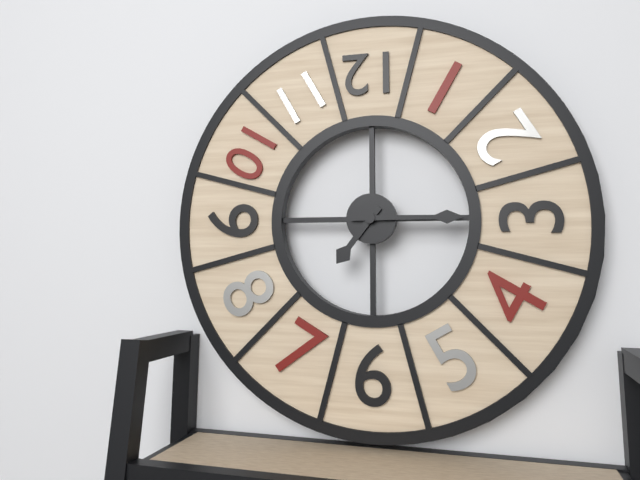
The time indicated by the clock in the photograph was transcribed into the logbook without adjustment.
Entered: 7:15
